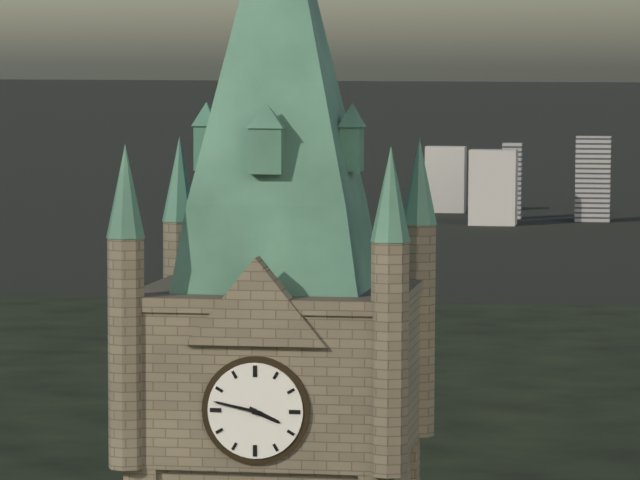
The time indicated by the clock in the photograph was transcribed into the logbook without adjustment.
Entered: 3:47
